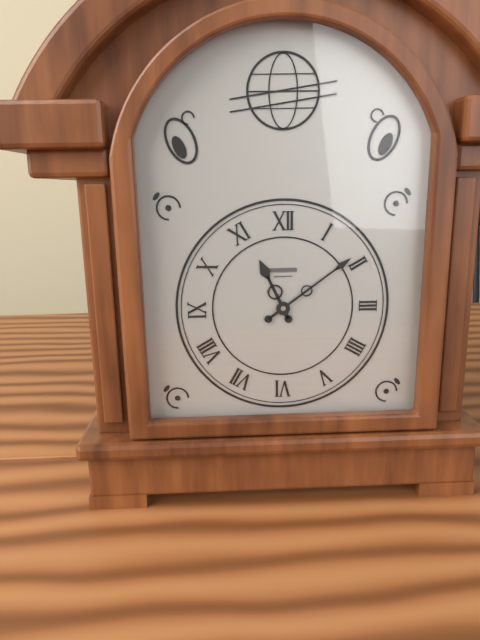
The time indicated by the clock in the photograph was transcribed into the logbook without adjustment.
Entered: 11:09
